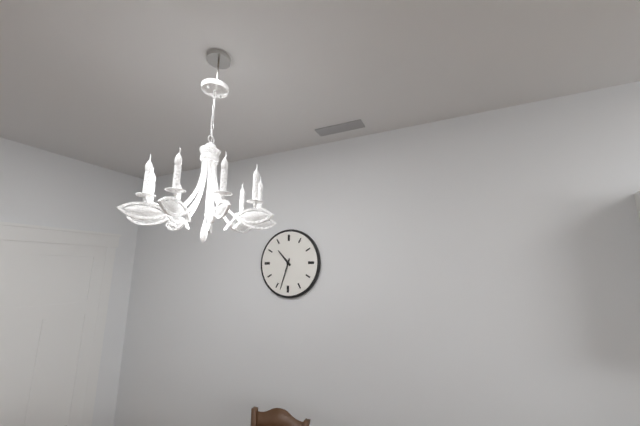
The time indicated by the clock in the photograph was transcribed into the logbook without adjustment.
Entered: 10:33
